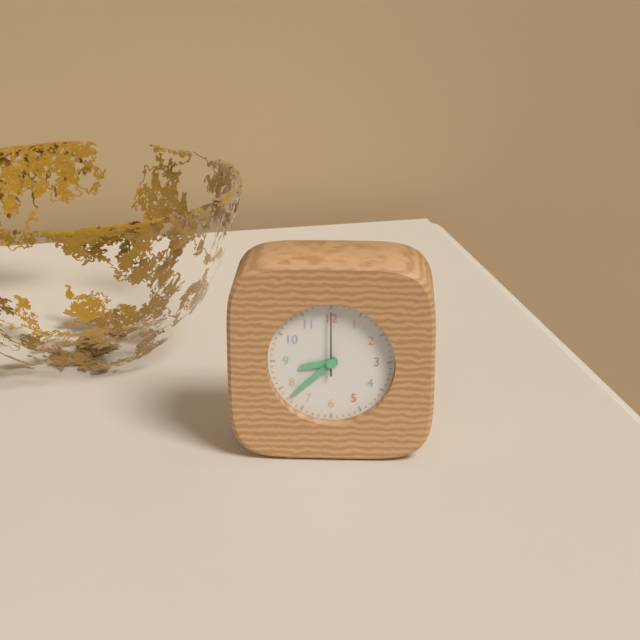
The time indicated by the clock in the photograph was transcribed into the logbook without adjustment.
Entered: 8:38:00
